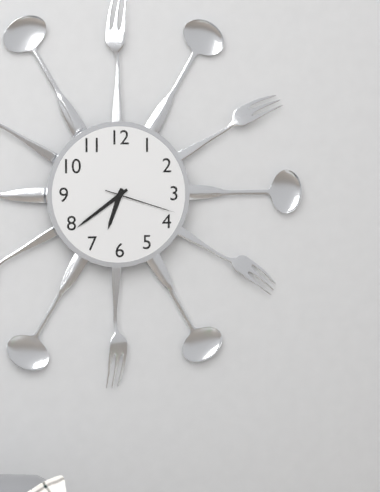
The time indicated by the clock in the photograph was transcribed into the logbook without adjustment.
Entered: 6:39:18
